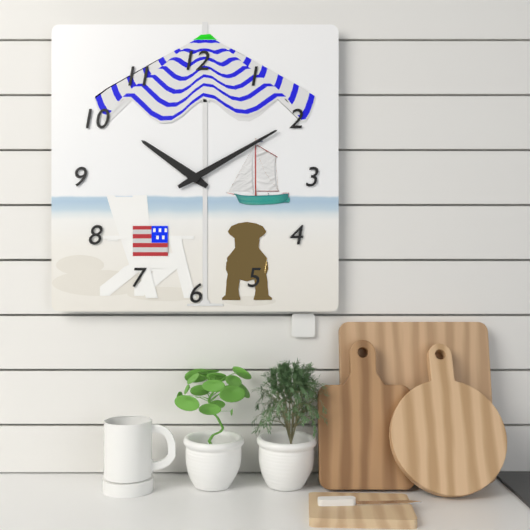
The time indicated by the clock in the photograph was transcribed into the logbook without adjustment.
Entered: 10:10
